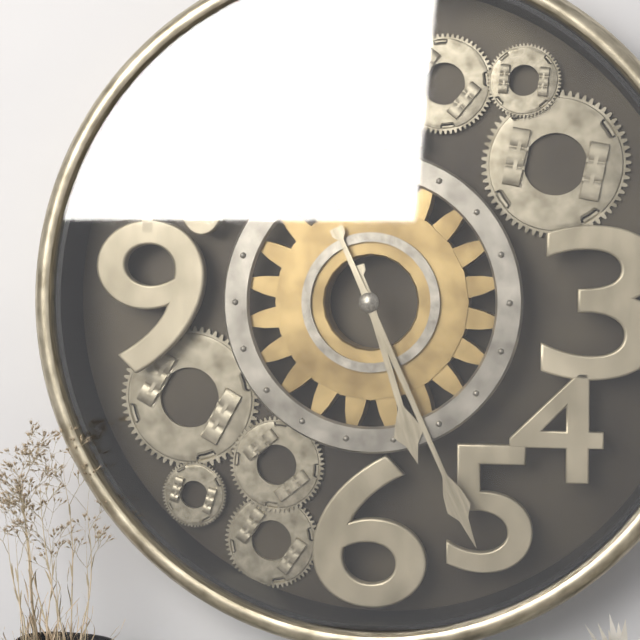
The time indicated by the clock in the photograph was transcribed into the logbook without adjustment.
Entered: 5:26
